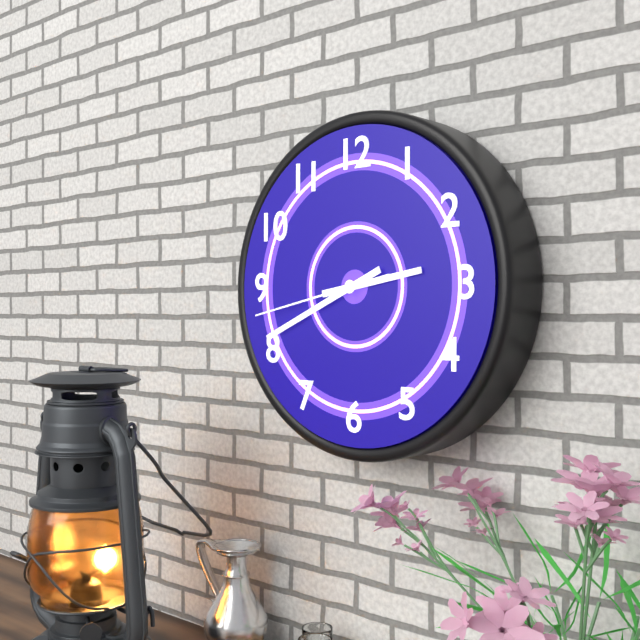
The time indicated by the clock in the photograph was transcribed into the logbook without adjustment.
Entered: 2:41:43
